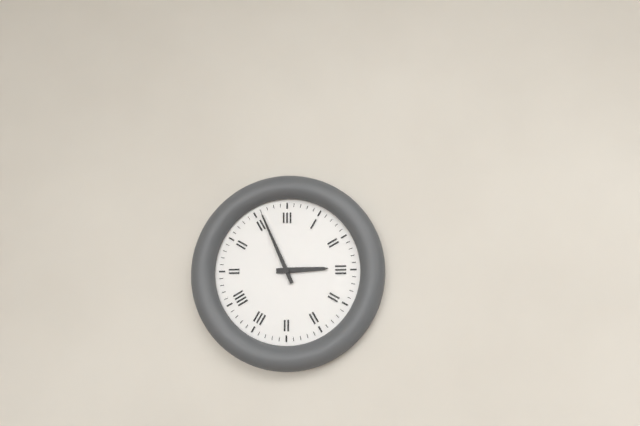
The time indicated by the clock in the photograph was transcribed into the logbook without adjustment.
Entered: 2:56
